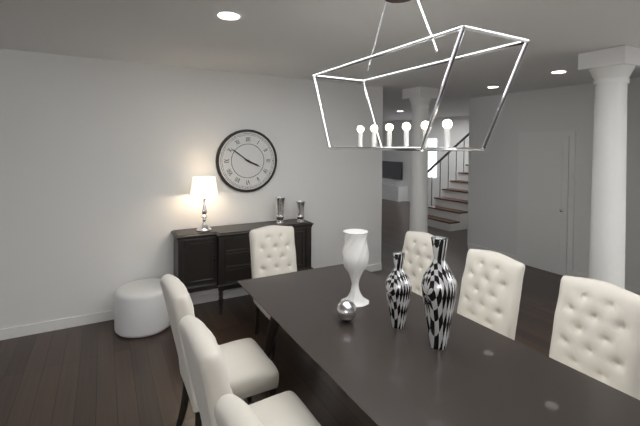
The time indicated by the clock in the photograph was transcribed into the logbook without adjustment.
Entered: 3:51
